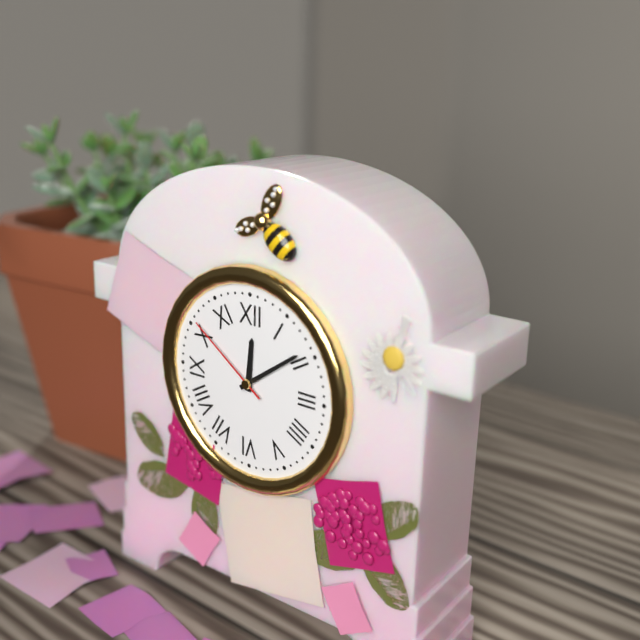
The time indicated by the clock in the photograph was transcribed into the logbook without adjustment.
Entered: 12:09:51
